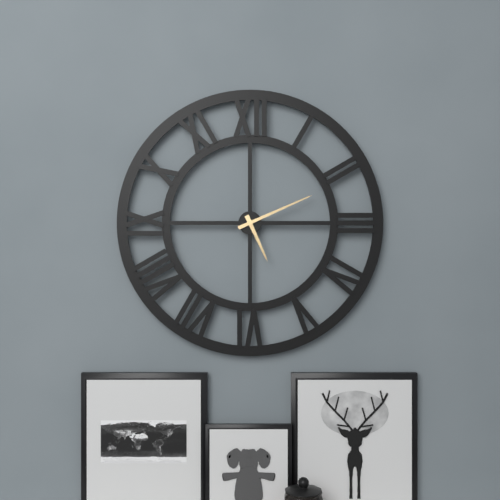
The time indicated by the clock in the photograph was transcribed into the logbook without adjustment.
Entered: 5:11
